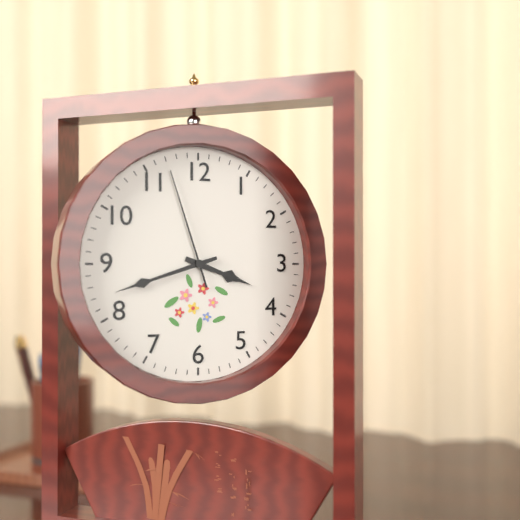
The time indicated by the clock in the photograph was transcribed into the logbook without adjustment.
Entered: 3:42:57
